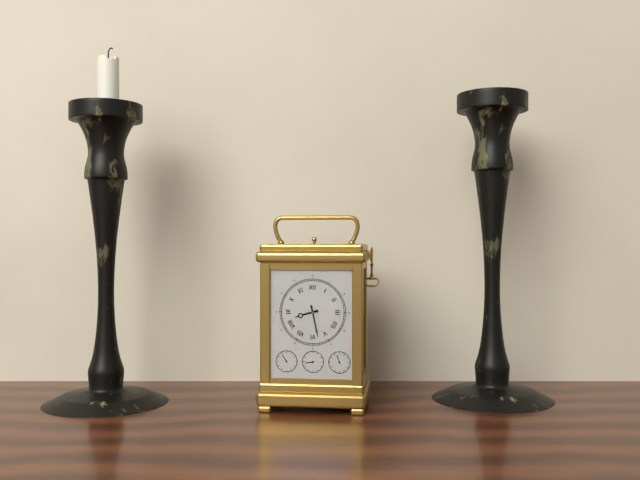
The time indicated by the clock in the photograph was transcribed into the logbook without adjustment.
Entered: 8:28
